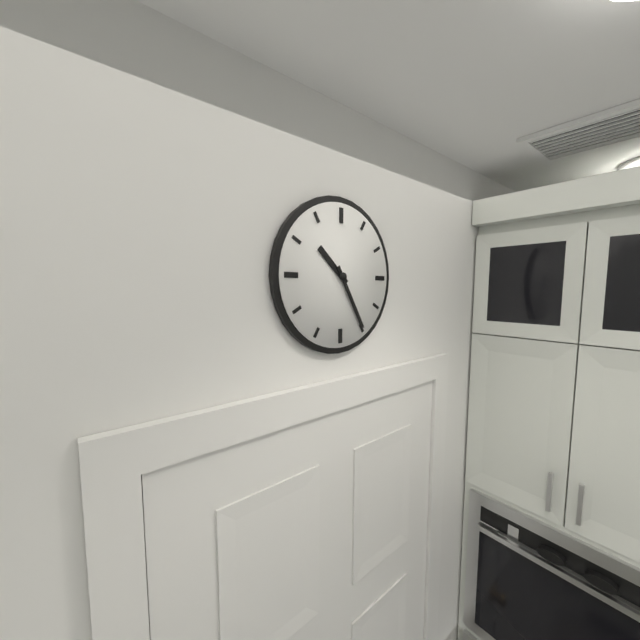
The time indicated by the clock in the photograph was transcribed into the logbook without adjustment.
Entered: 10:25
